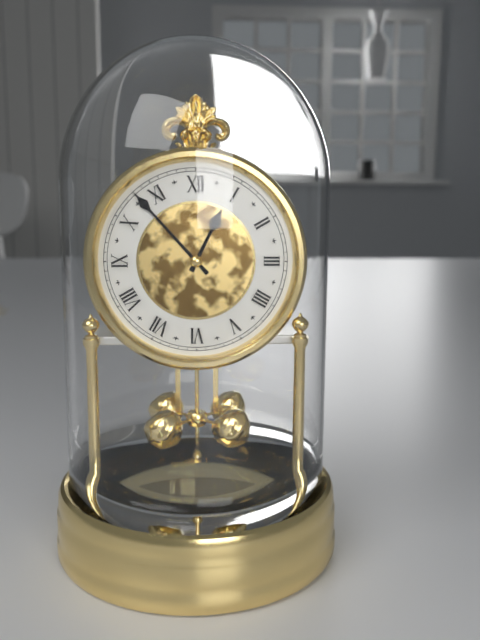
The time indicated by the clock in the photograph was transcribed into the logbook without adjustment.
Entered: 12:53
